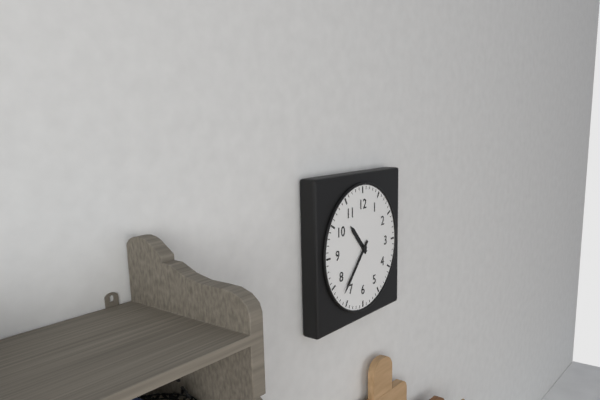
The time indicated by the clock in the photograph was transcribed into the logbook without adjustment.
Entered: 10:37
